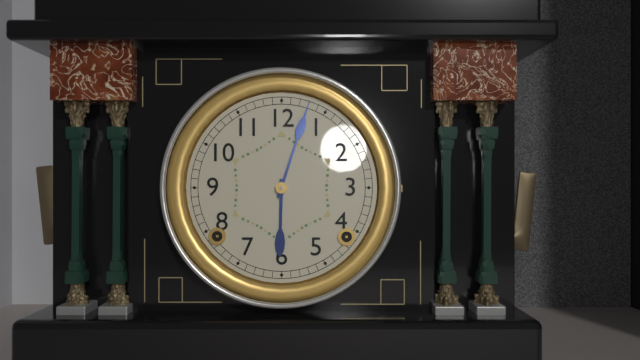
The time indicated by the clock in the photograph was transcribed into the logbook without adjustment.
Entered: 6:03
